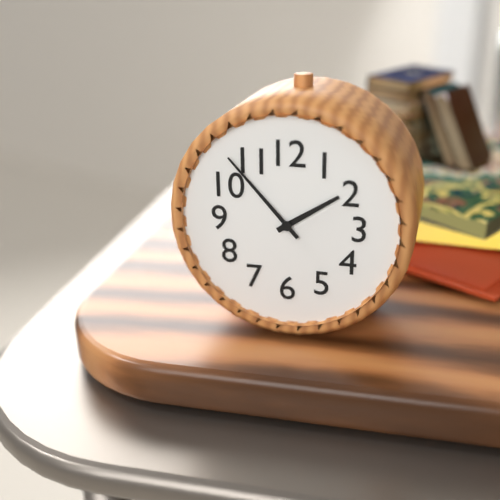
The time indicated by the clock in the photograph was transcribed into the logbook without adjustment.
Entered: 1:53
